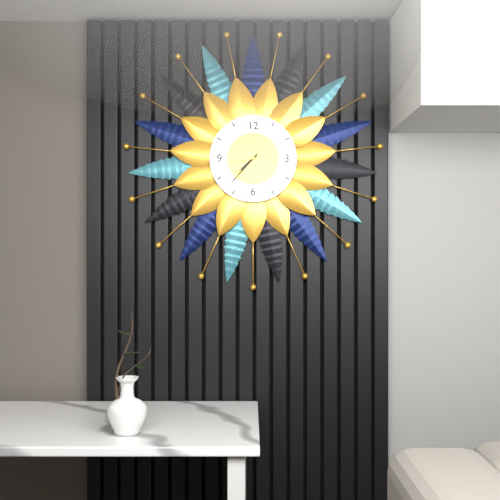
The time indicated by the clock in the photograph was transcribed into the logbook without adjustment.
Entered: 7:37
